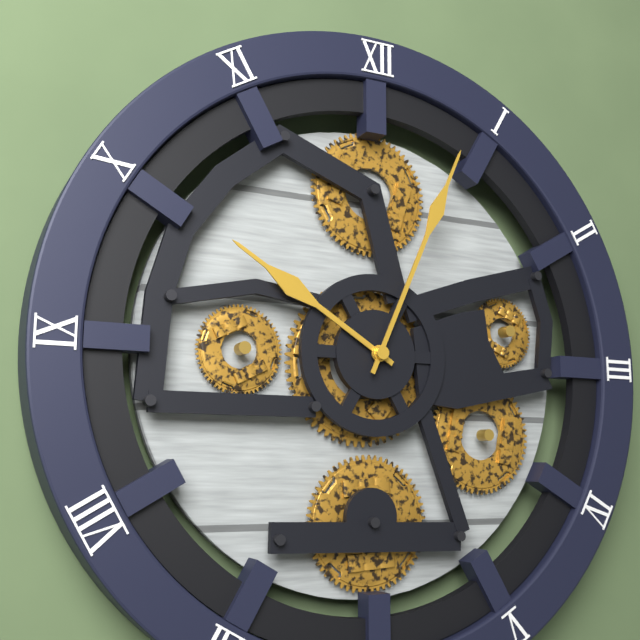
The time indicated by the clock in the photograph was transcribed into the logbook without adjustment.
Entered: 10:04
